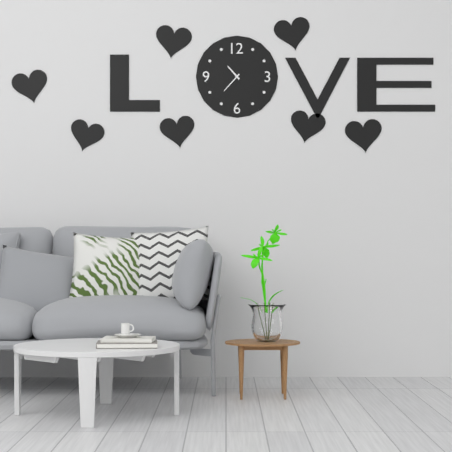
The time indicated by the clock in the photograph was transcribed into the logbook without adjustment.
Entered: 10:37
